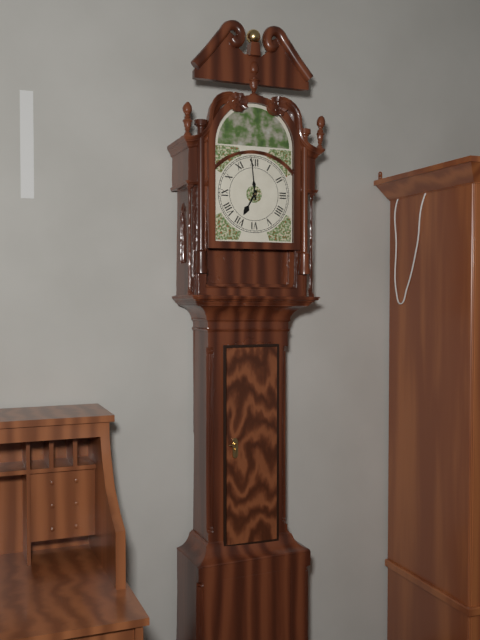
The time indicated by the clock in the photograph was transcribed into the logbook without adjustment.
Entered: 6:59
